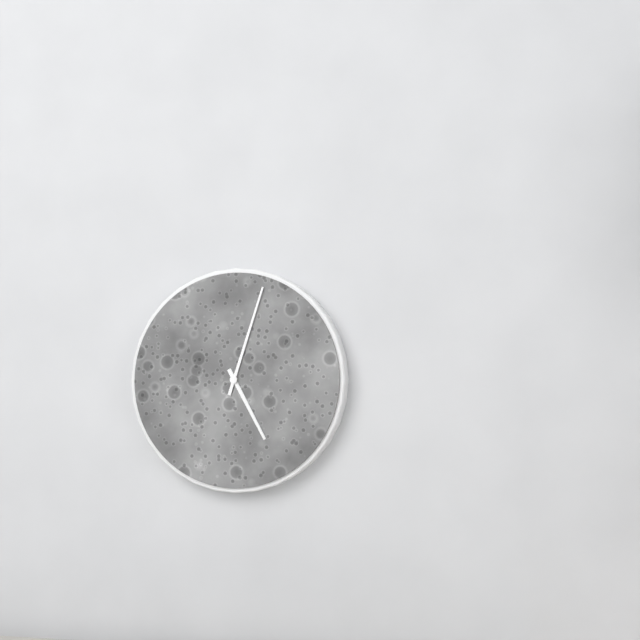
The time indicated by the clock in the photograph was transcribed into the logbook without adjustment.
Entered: 5:03
